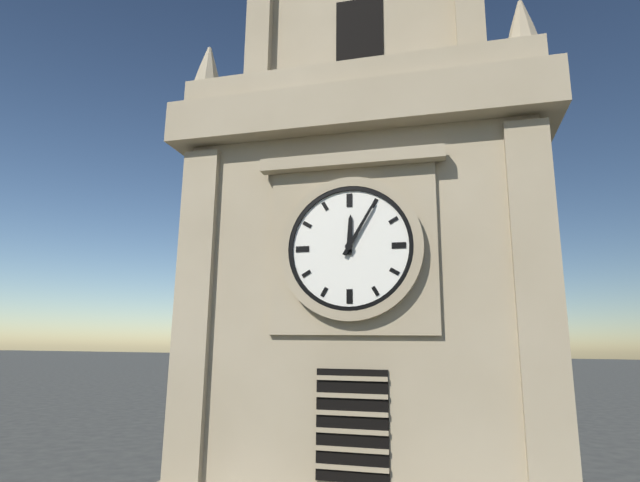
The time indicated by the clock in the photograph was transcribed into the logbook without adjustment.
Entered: 12:05
